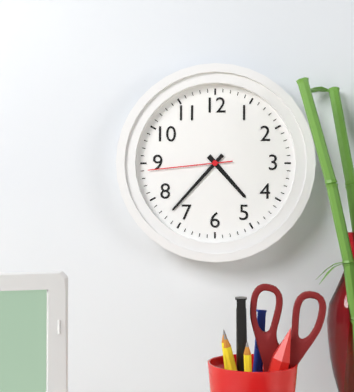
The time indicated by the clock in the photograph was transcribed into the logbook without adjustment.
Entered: 4:37:44
